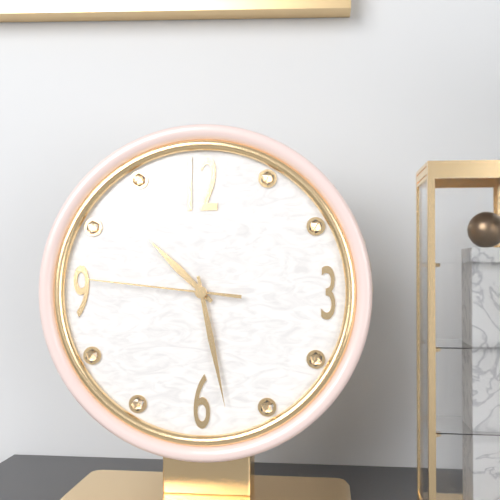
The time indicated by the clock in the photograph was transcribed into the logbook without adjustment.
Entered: 10:28:46
